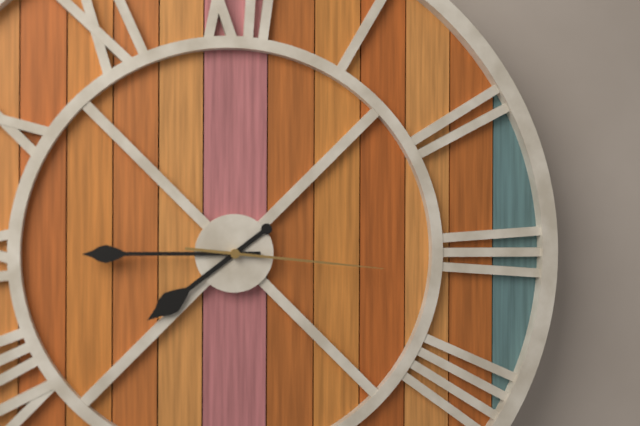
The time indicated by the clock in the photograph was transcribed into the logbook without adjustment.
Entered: 7:45:16
